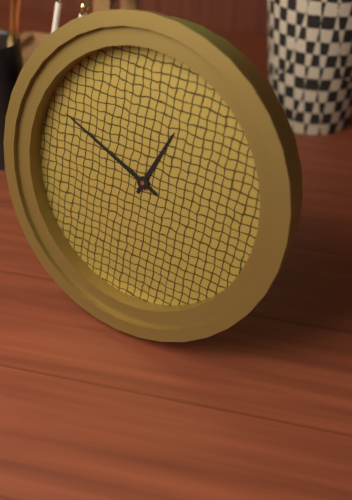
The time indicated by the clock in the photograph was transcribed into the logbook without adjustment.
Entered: 12:49
